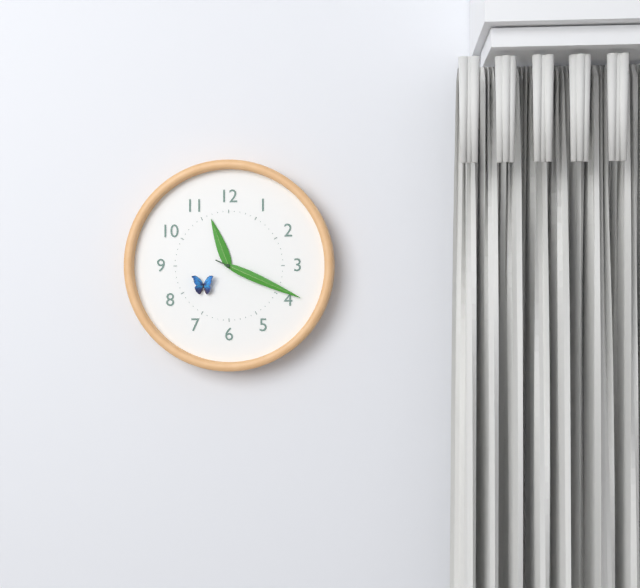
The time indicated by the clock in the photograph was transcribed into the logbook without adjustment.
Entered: 11:19
